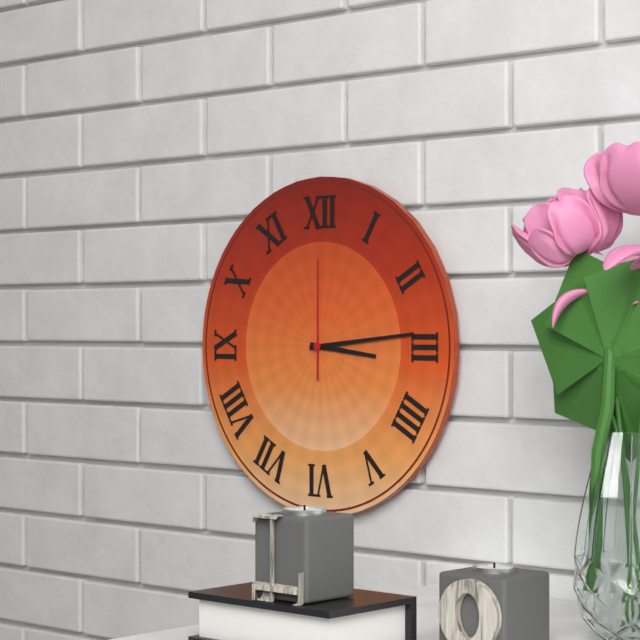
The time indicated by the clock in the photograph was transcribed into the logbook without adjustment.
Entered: 3:14:00
